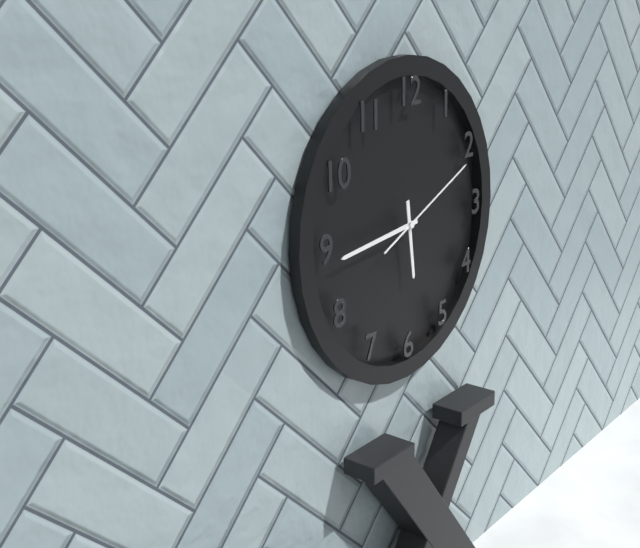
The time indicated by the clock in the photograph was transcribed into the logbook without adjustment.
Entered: 5:44:11
